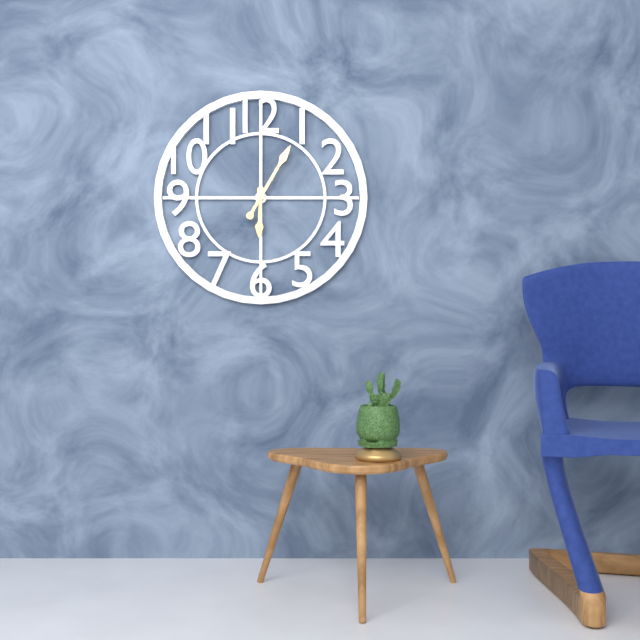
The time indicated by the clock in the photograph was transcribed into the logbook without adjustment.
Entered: 6:05
